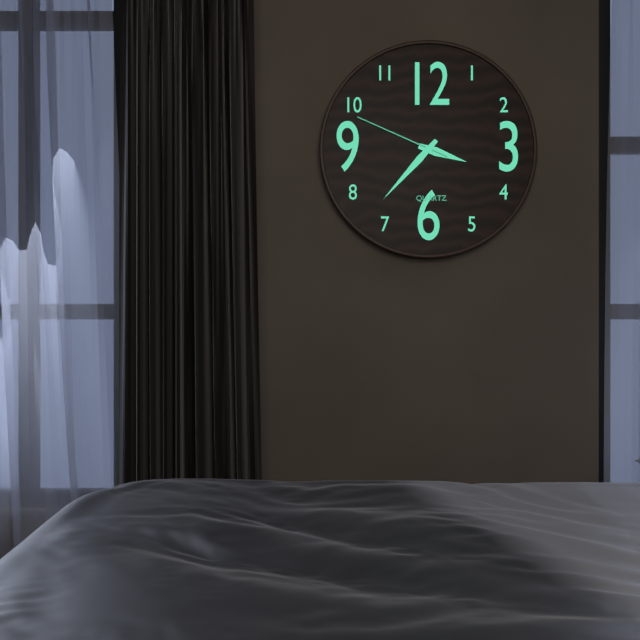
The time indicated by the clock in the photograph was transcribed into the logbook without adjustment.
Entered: 3:37:49
